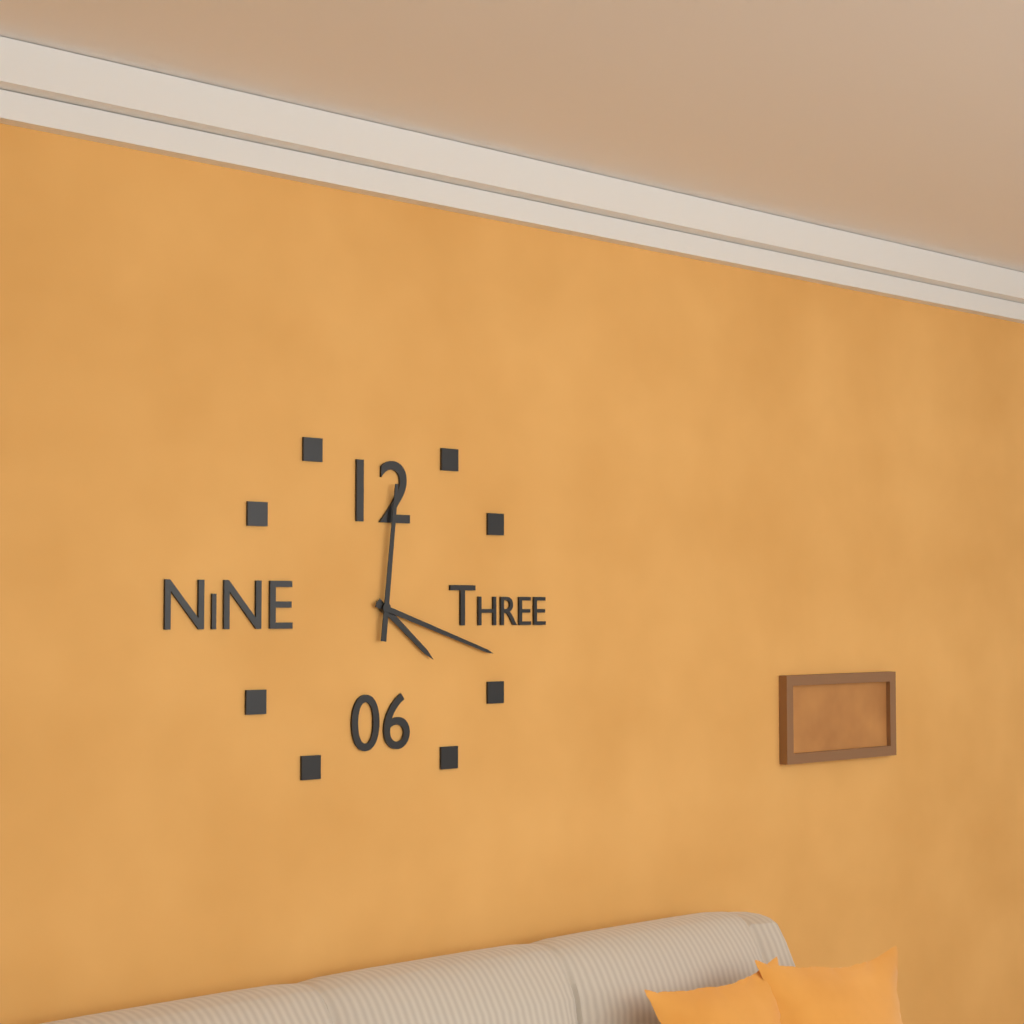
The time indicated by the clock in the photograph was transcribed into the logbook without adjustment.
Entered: 4:18:01
